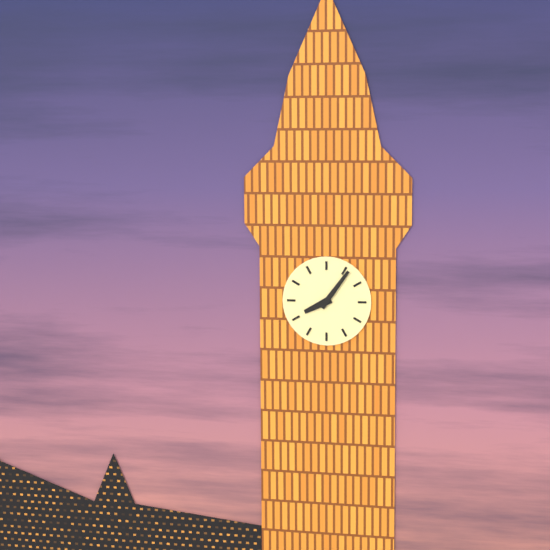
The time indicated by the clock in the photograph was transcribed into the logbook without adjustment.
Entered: 8:06
